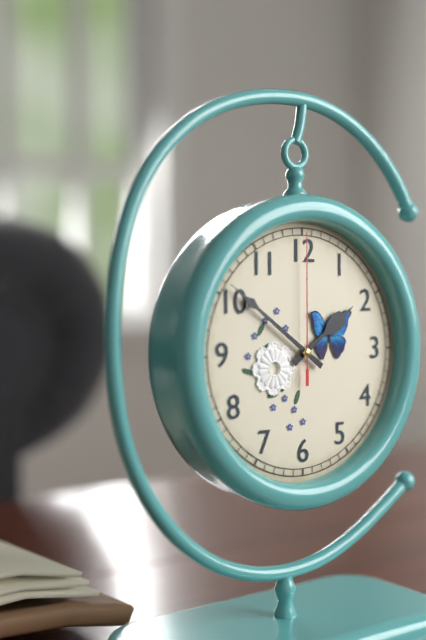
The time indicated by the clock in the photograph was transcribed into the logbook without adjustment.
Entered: 1:51:00
